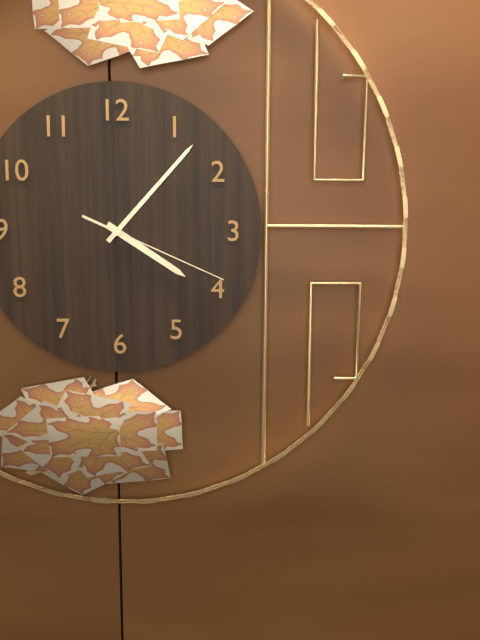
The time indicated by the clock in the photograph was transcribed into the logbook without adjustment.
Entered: 4:07:19
